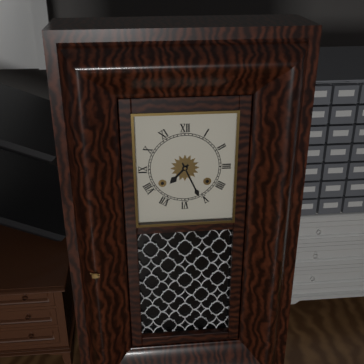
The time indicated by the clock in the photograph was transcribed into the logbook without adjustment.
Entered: 7:26
